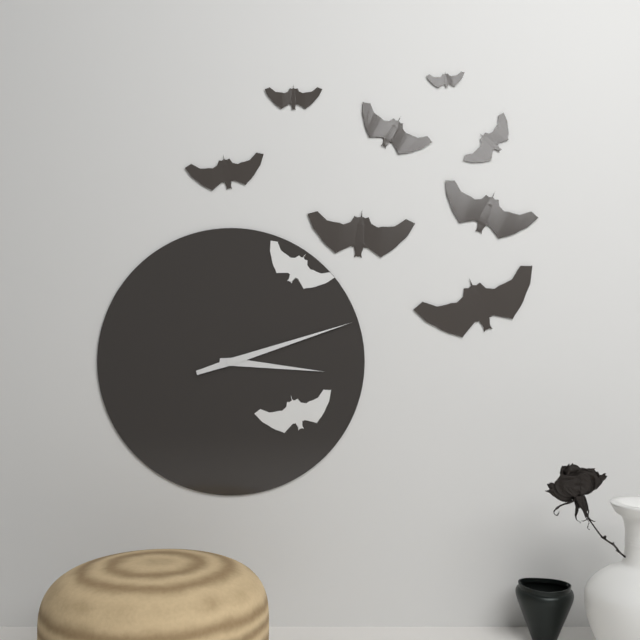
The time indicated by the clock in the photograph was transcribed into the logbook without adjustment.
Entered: 3:12
